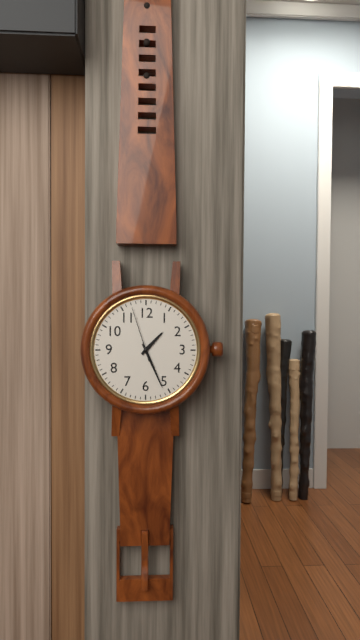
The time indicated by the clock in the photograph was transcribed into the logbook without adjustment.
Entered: 1:26:57
